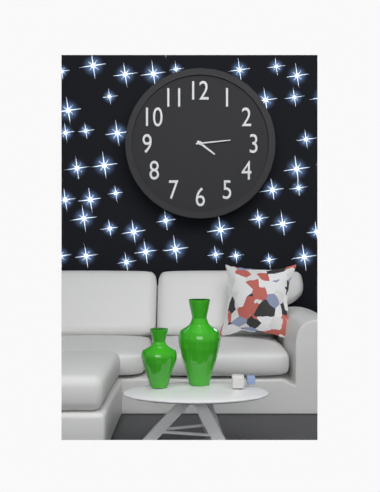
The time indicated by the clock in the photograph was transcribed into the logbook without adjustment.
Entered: 4:14
